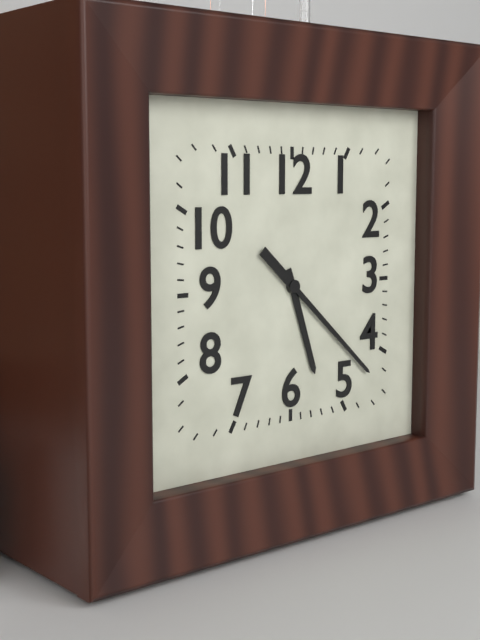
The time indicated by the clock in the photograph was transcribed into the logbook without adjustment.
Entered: 5:22
